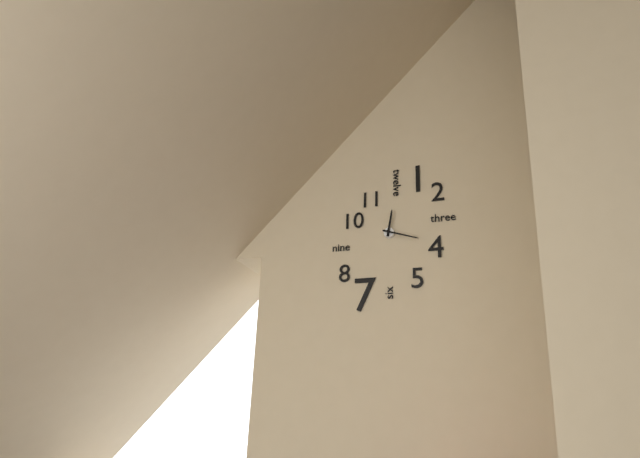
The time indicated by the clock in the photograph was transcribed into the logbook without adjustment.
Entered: 12:18
